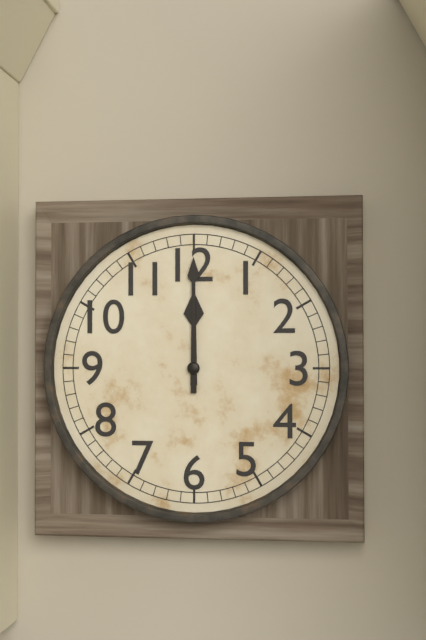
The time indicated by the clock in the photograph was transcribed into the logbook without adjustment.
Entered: 12:00
